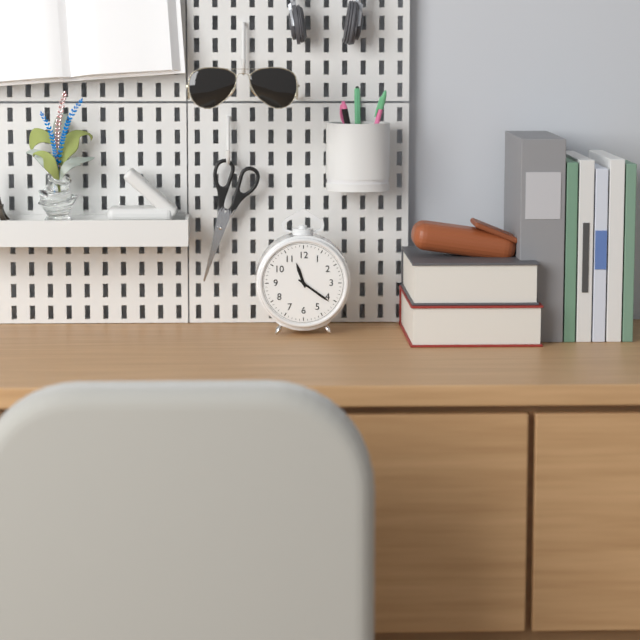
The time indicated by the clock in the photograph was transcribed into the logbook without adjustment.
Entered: 11:21
